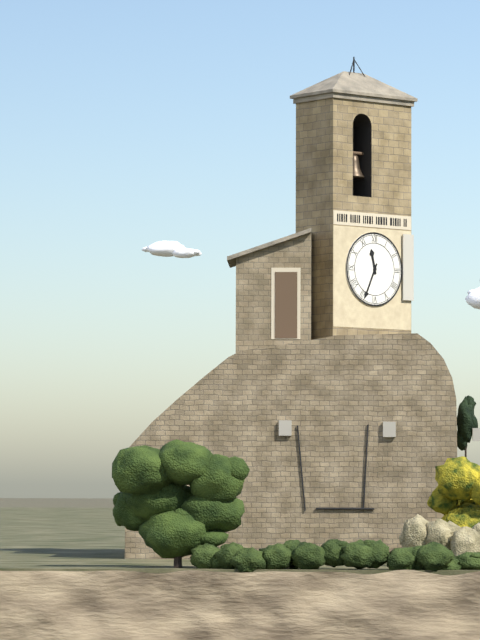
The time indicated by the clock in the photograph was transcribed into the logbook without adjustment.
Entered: 11:34
